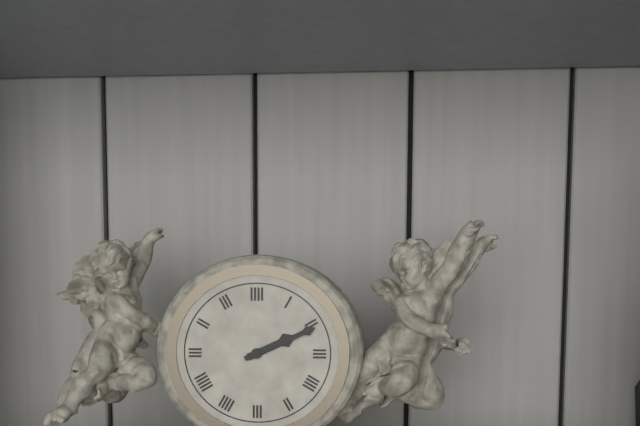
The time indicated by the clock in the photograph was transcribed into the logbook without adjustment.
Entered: 2:11
